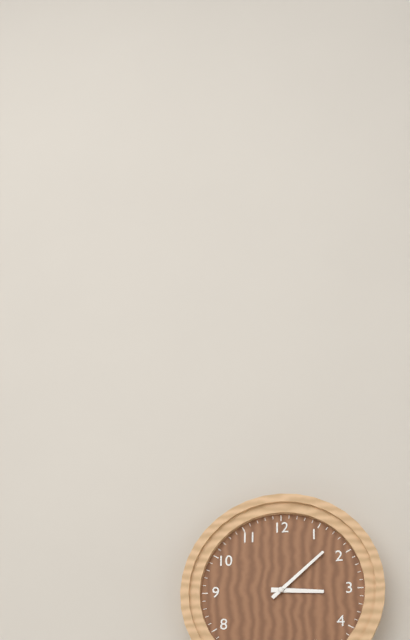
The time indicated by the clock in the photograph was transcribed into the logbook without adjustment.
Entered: 3:08
